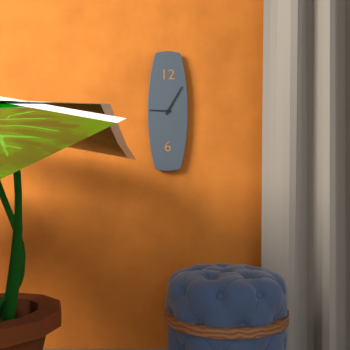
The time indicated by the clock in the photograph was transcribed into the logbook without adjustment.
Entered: 9:05
